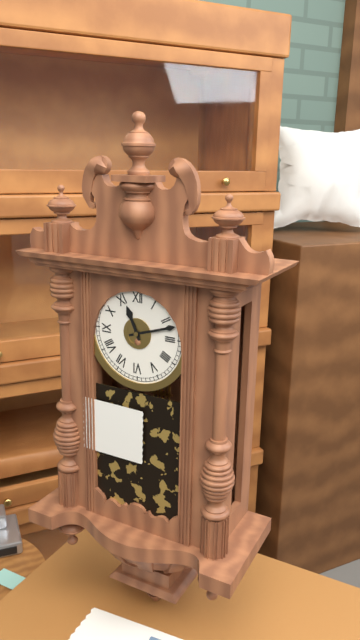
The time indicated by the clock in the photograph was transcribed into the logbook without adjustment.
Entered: 11:12
